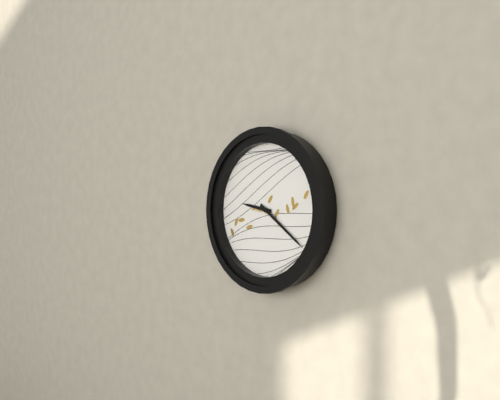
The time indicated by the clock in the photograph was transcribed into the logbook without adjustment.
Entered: 9:21
